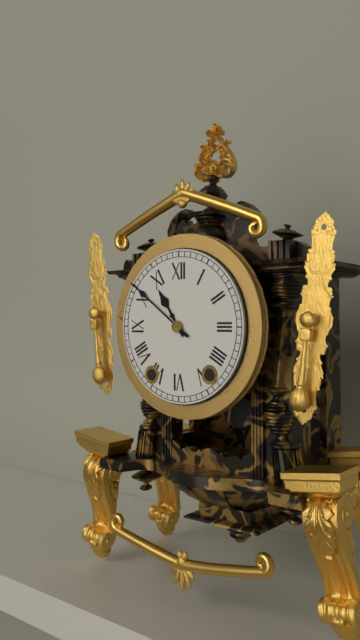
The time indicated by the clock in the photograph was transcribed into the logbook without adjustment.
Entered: 10:51
